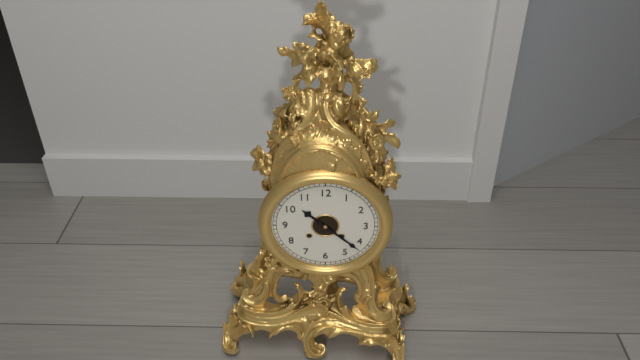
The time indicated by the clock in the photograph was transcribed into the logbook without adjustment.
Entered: 10:22
